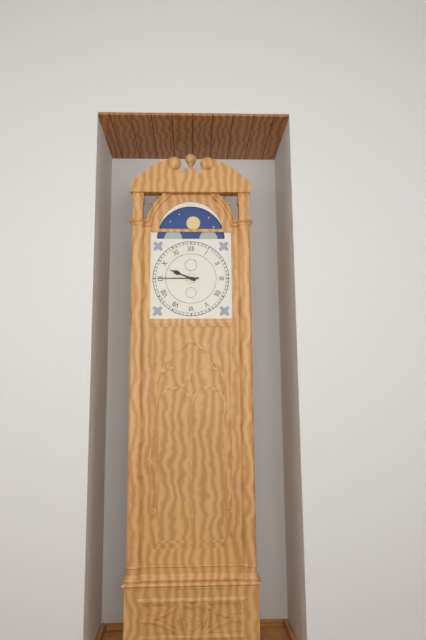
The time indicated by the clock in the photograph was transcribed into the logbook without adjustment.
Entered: 9:45
